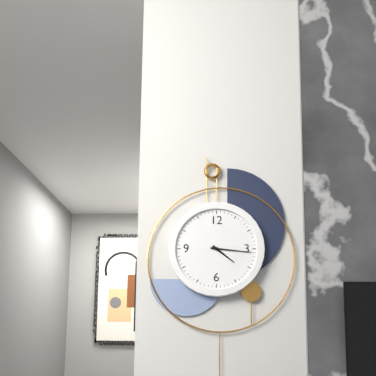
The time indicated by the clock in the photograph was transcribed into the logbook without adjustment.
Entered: 4:16
